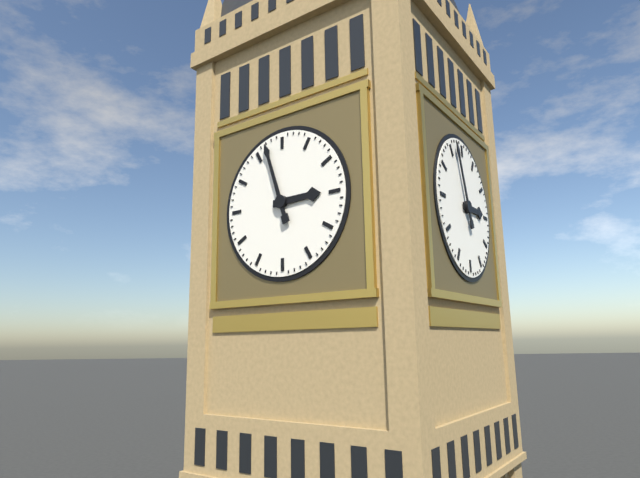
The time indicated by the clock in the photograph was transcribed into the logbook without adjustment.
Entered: 2:57
